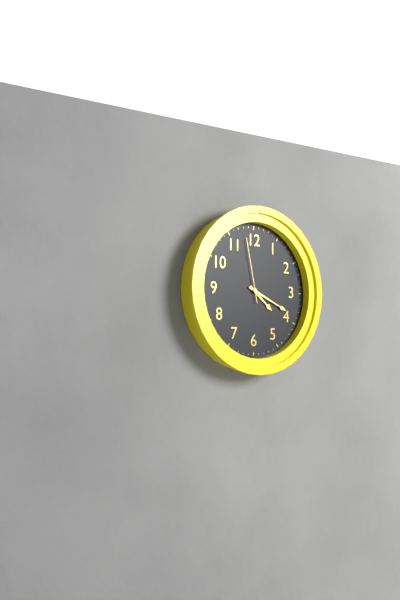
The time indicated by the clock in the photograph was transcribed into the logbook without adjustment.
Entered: 4:19:58
